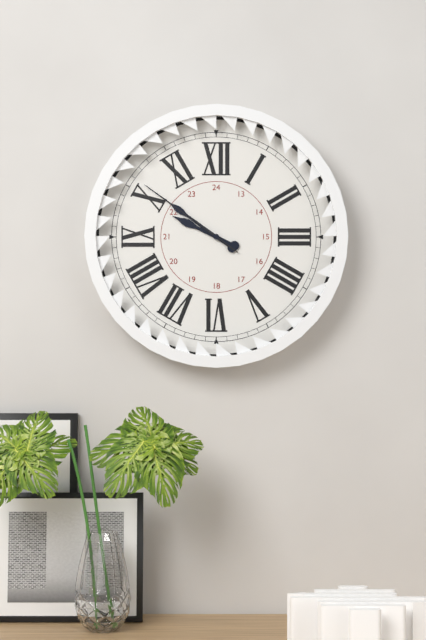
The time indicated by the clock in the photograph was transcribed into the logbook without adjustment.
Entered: 9:51:51
